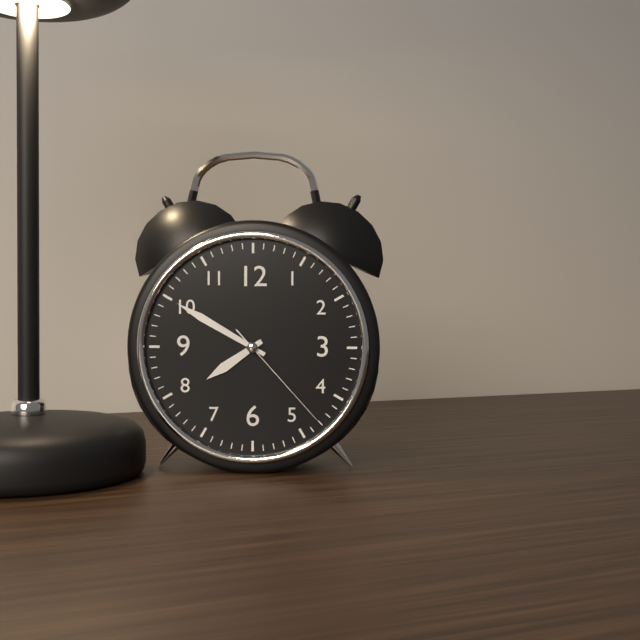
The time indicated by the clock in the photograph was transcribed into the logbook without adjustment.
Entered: 7:50:23
